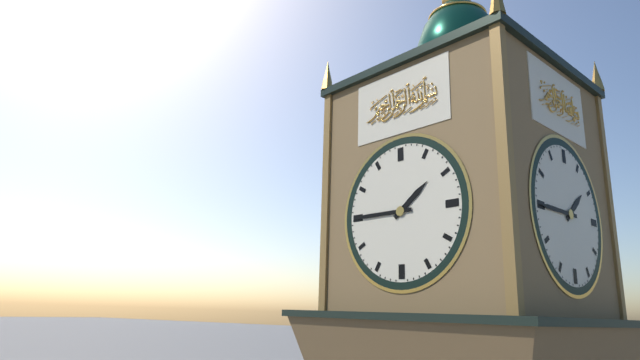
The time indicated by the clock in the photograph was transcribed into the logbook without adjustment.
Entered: 1:45
